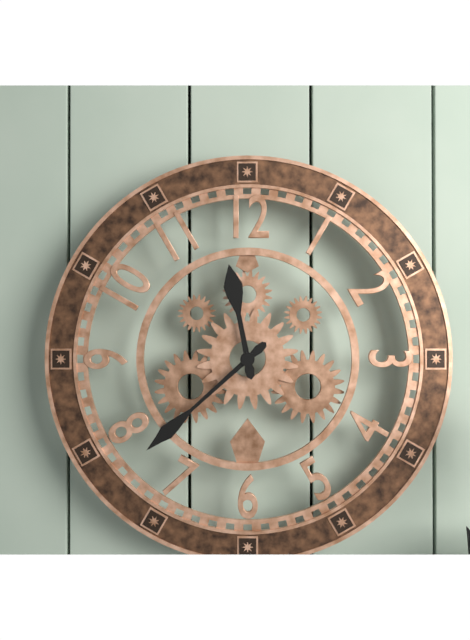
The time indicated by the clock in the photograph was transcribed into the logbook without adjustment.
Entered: 11:38
